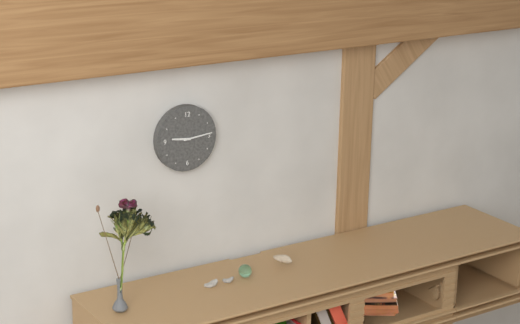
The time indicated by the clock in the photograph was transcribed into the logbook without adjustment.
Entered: 9:14
